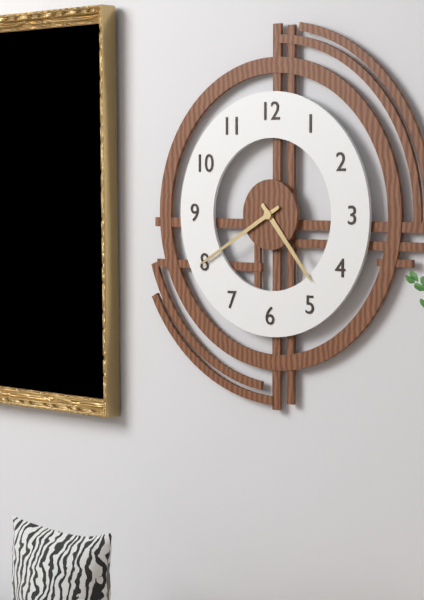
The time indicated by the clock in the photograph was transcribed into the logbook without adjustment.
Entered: 4:40
